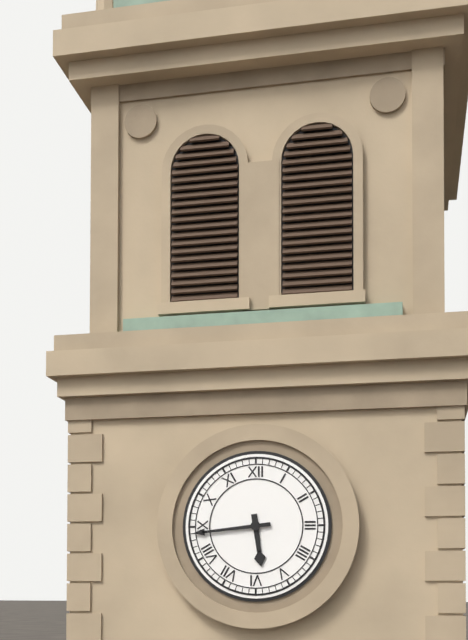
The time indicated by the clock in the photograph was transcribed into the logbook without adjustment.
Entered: 5:44
